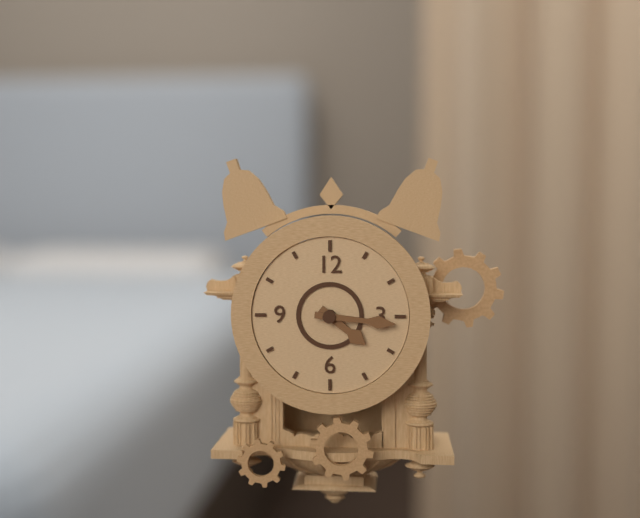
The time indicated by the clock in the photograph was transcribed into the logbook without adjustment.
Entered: 4:16
